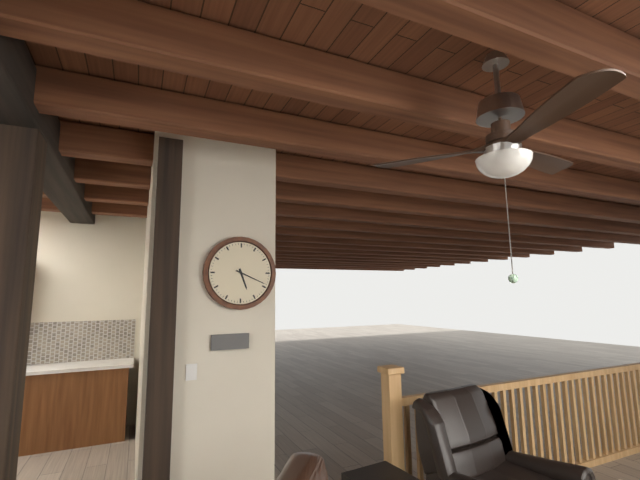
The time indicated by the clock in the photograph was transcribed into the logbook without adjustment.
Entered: 5:19
